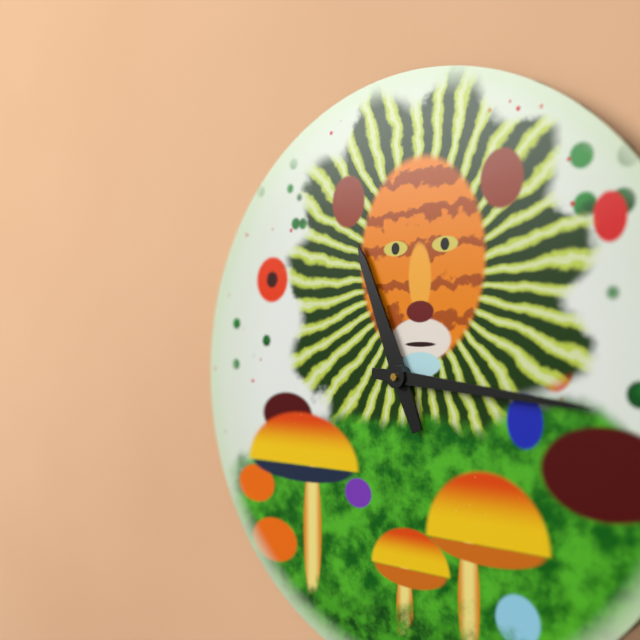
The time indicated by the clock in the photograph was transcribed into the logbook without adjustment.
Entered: 11:16
